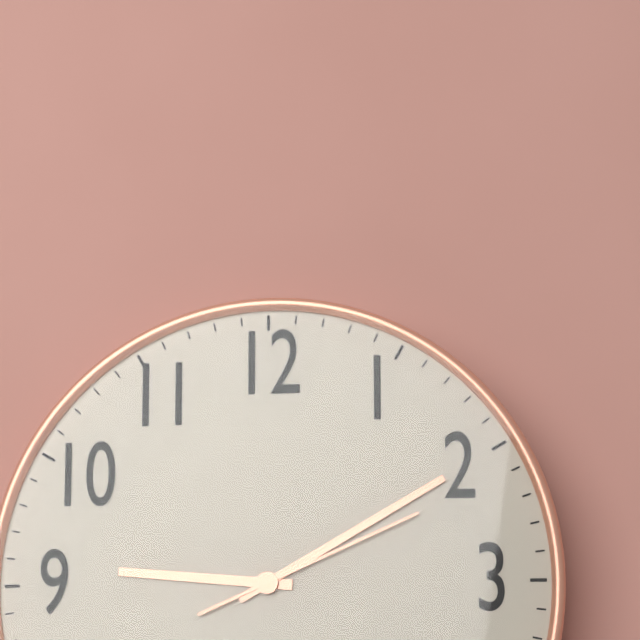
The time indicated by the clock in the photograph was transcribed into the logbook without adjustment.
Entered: 9:10:11
